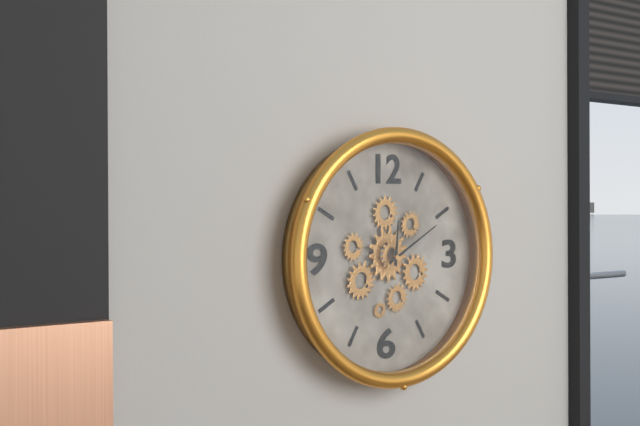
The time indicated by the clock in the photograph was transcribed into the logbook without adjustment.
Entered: 12:10
